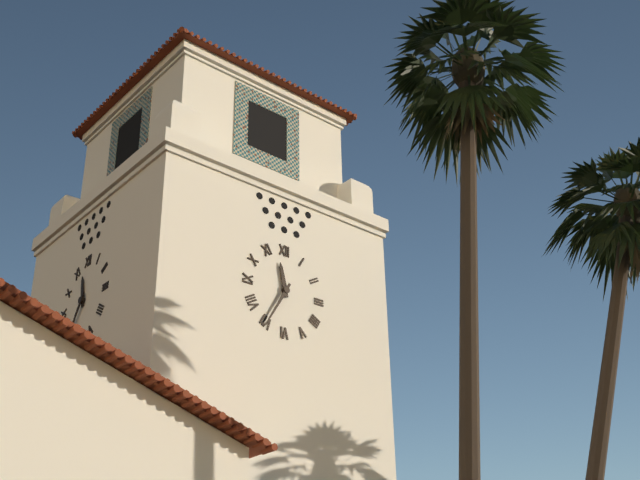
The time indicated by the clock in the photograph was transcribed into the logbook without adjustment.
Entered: 11:35
